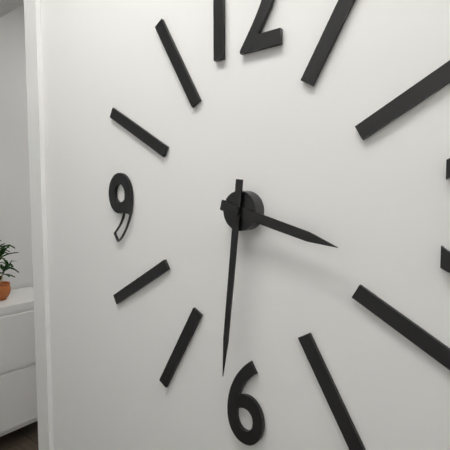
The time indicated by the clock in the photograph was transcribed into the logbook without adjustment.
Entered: 3:31
